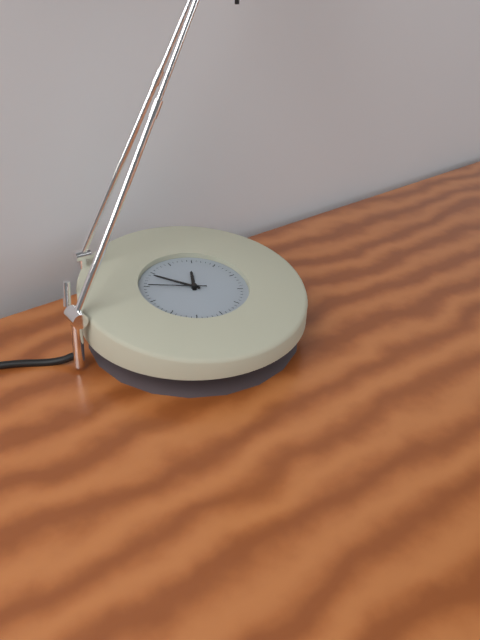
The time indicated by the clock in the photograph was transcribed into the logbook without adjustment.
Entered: 12:54:50
